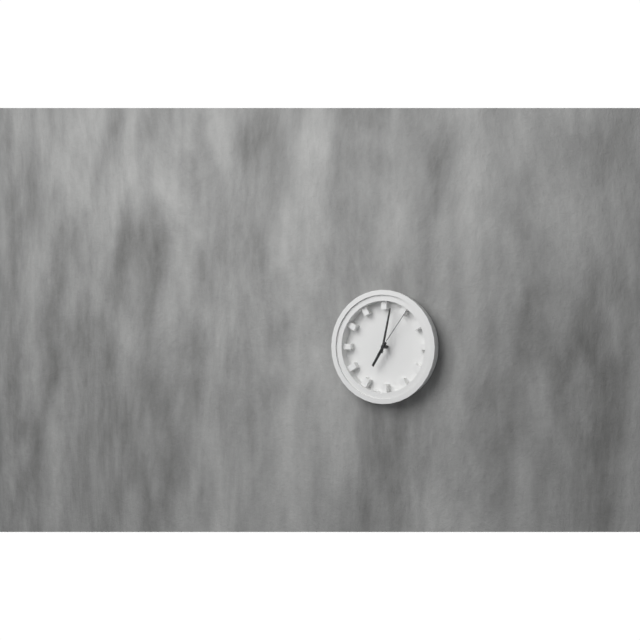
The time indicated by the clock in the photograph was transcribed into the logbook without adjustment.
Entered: 7:02:06
